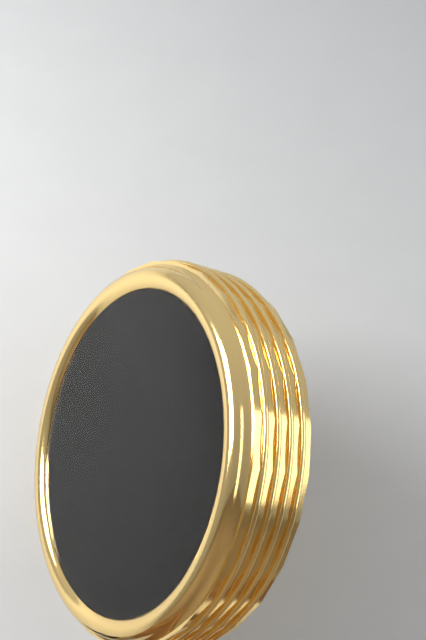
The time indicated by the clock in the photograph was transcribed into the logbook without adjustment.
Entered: 2:09:01
